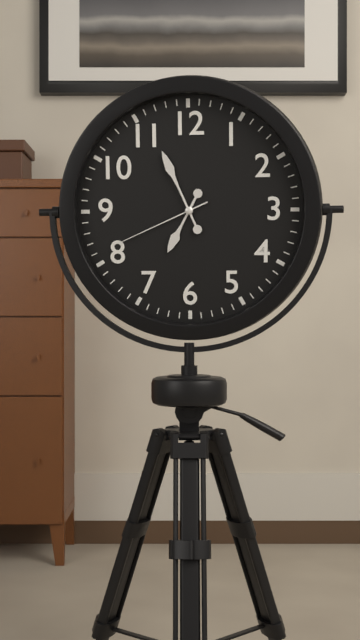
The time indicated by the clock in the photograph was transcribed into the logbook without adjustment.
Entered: 6:56:41
